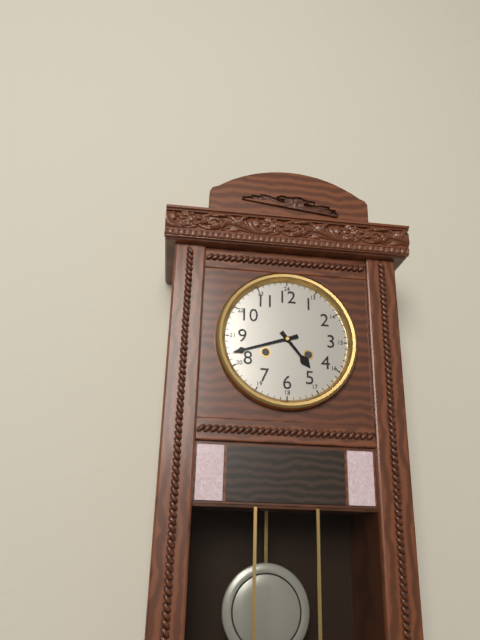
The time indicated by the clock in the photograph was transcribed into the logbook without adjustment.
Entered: 4:42
